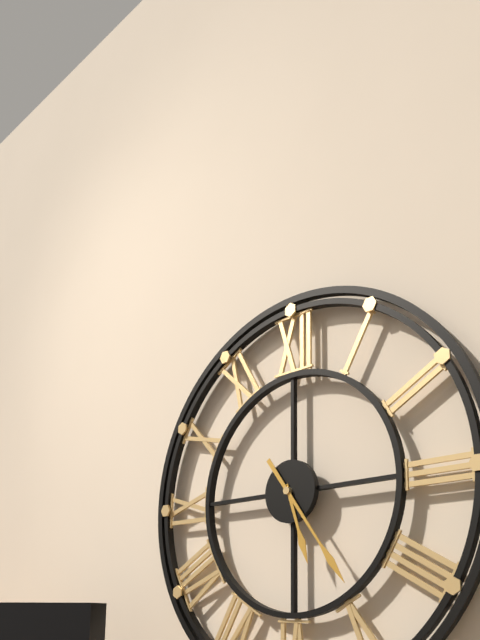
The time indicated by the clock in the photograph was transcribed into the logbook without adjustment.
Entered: 5:24
